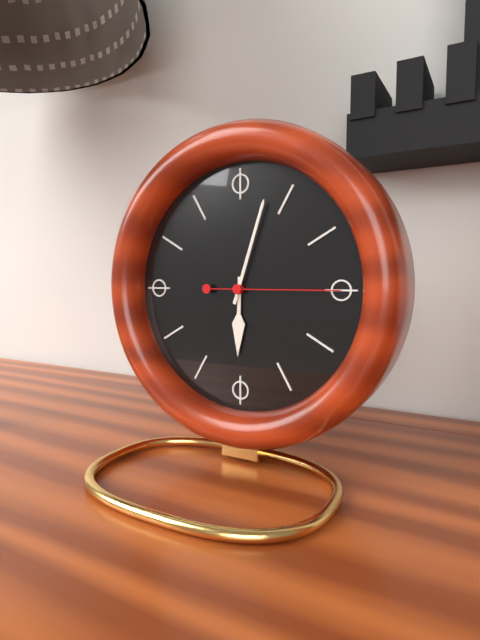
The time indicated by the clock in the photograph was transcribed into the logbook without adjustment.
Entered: 6:03:15
